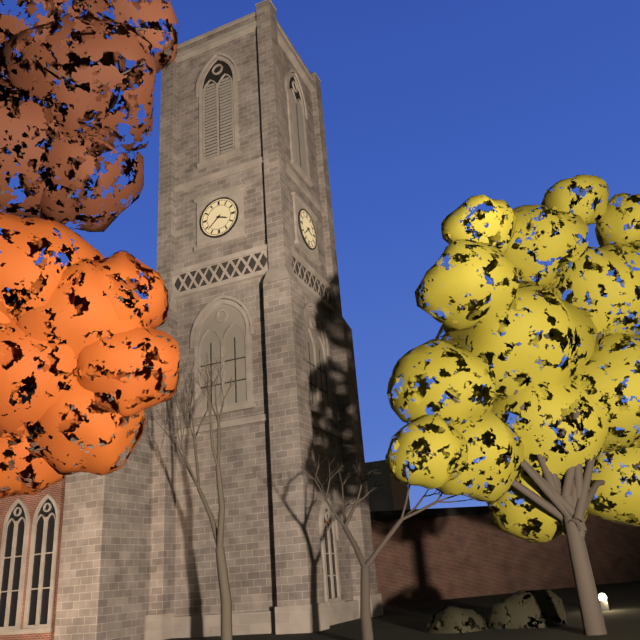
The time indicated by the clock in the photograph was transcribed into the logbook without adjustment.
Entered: 3:38
